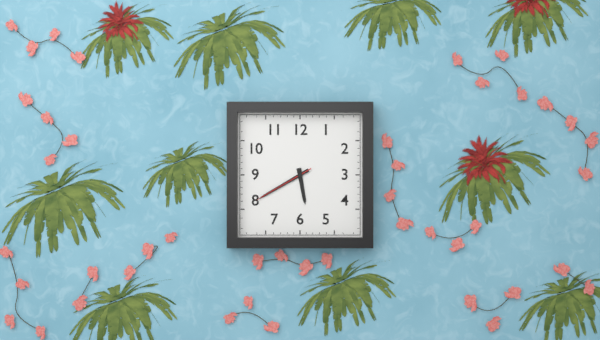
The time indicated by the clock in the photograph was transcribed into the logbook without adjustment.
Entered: 5:40:40
